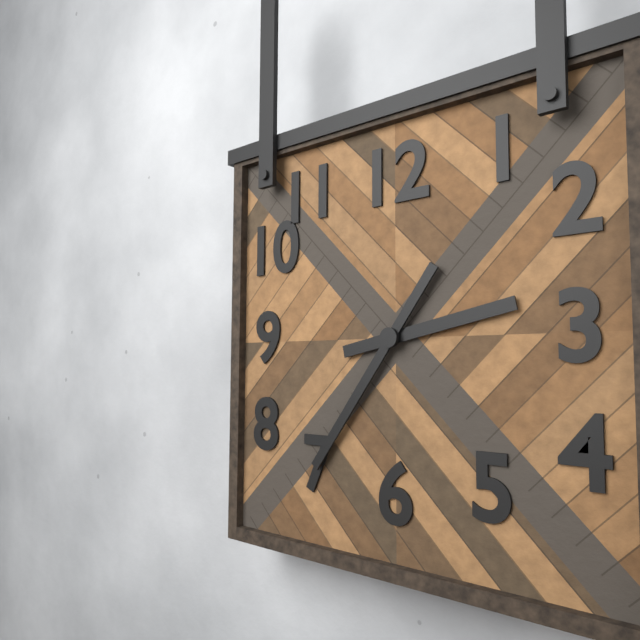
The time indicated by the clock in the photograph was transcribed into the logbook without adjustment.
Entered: 2:36
